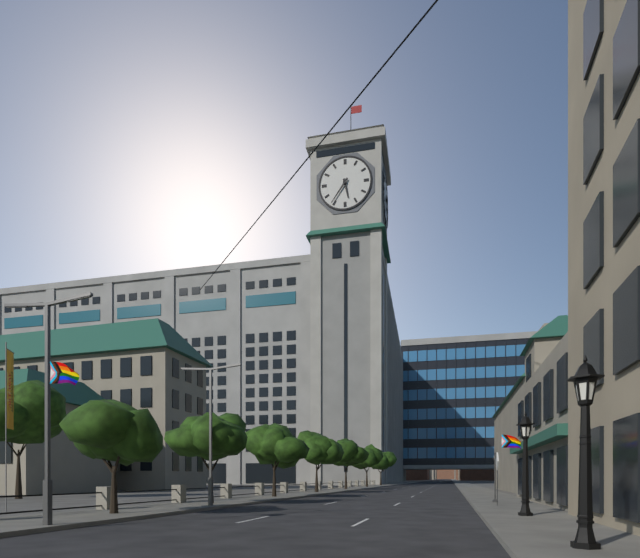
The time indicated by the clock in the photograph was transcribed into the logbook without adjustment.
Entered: 5:36
